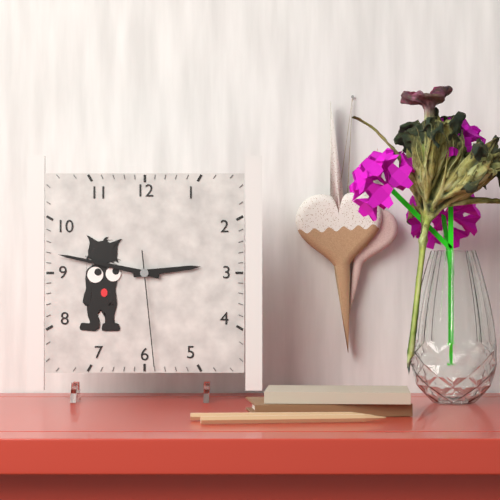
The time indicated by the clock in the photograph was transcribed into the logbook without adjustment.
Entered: 2:47:29
